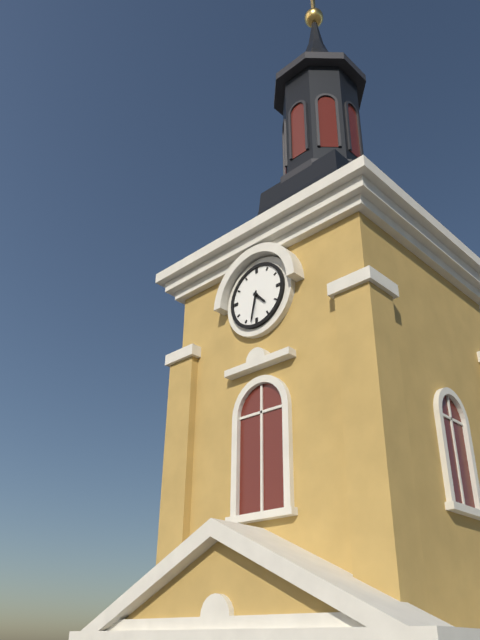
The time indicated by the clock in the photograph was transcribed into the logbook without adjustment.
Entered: 4:32
